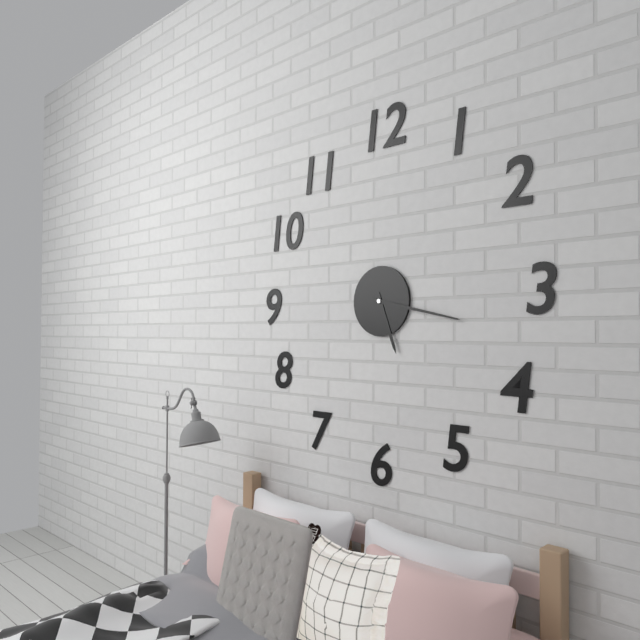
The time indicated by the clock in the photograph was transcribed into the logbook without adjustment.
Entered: 5:17
